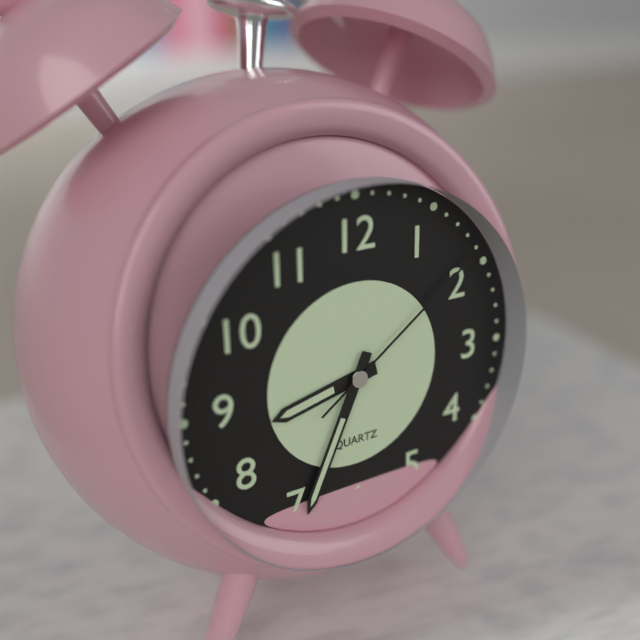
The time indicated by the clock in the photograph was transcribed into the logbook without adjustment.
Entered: 8:34:09
